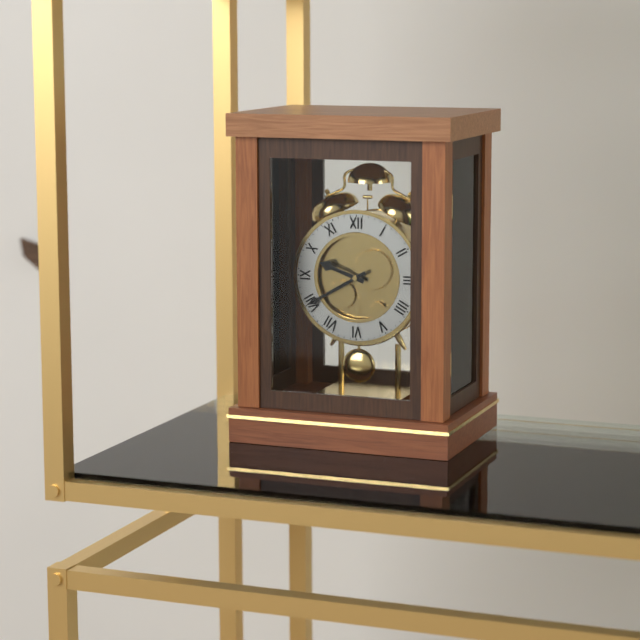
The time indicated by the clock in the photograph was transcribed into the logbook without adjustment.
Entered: 9:40
